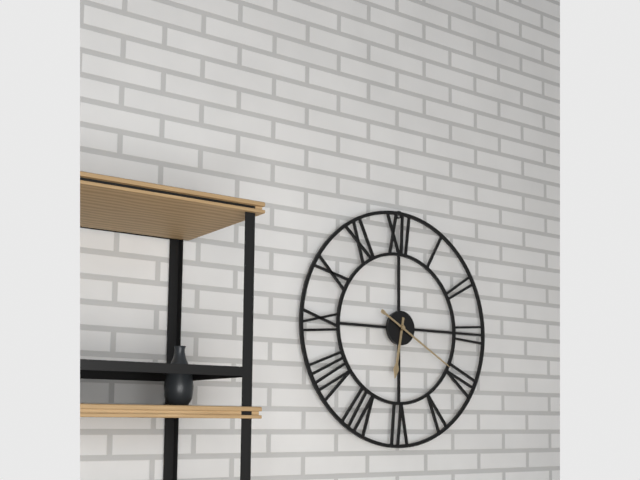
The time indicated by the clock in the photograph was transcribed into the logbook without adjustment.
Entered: 6:20
